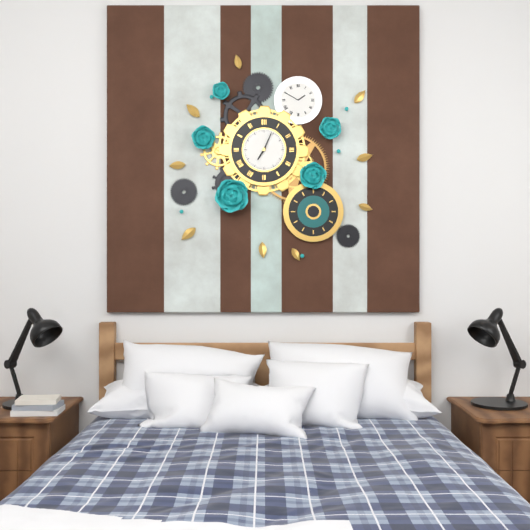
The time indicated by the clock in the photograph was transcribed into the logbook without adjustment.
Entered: 7:04
